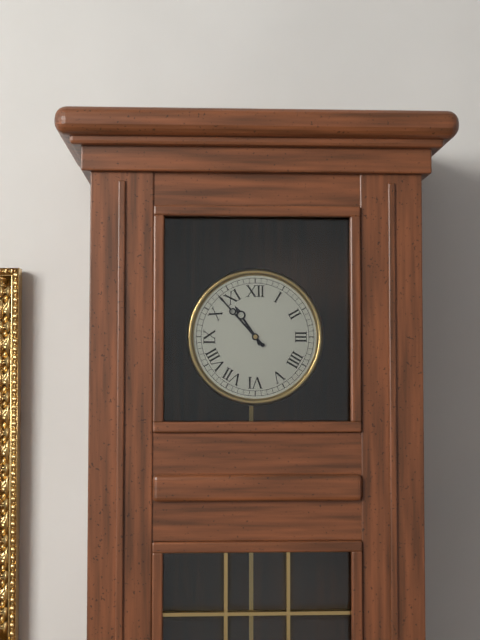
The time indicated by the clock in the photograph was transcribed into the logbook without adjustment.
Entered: 10:53
